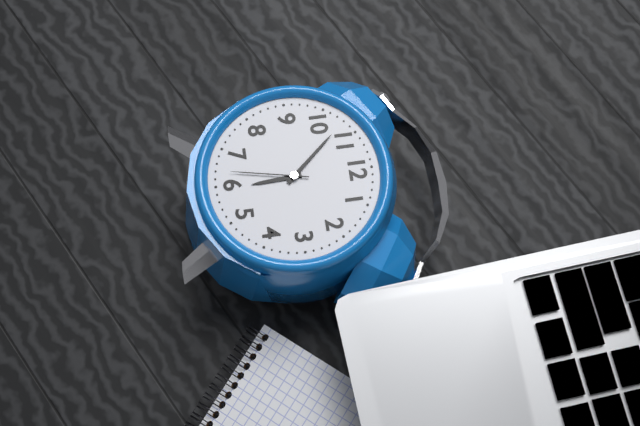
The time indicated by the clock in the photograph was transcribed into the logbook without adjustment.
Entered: 5:53:32
